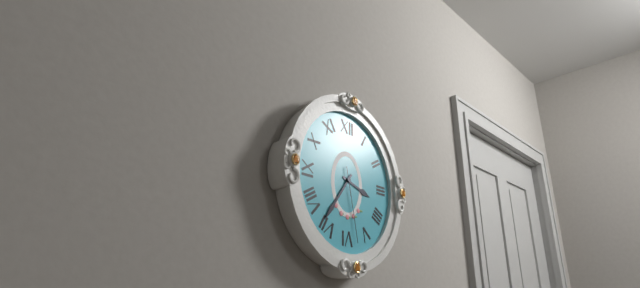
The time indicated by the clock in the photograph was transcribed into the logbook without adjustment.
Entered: 3:36:28
